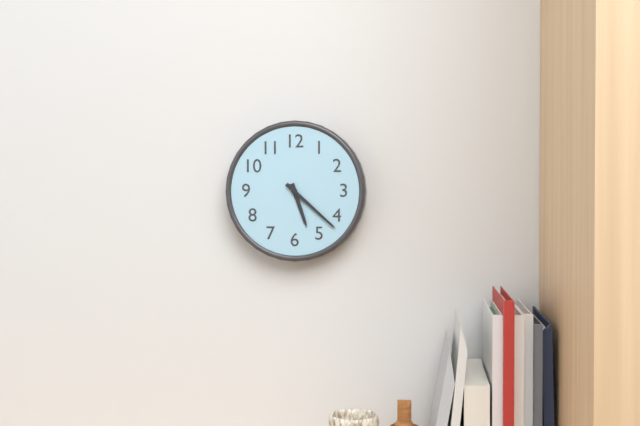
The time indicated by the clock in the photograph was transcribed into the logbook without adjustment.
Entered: 5:22
